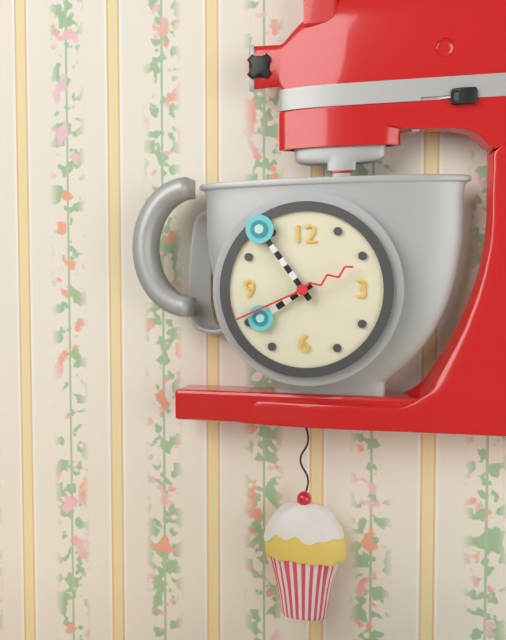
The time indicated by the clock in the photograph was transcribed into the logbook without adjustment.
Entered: 7:54:41
